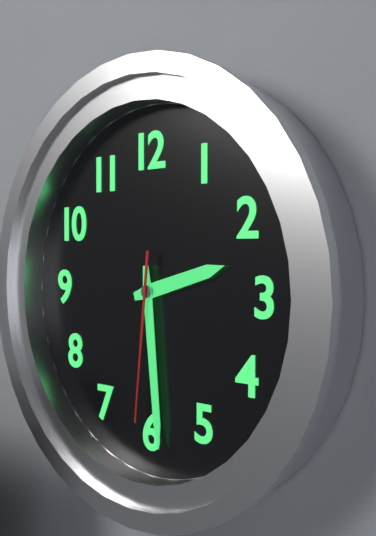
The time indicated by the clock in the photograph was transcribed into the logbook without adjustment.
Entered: 2:29:31
